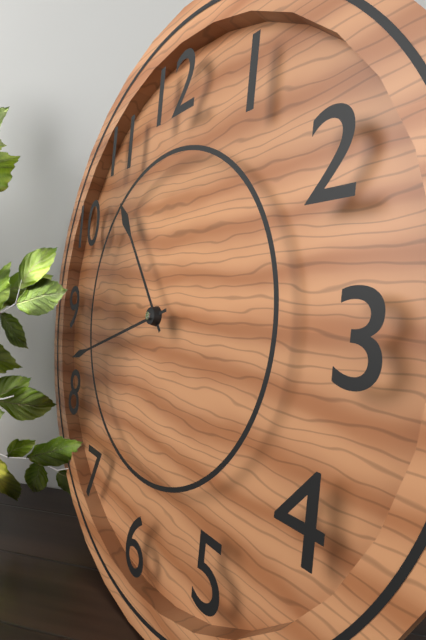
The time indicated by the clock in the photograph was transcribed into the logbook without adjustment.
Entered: 10:42
